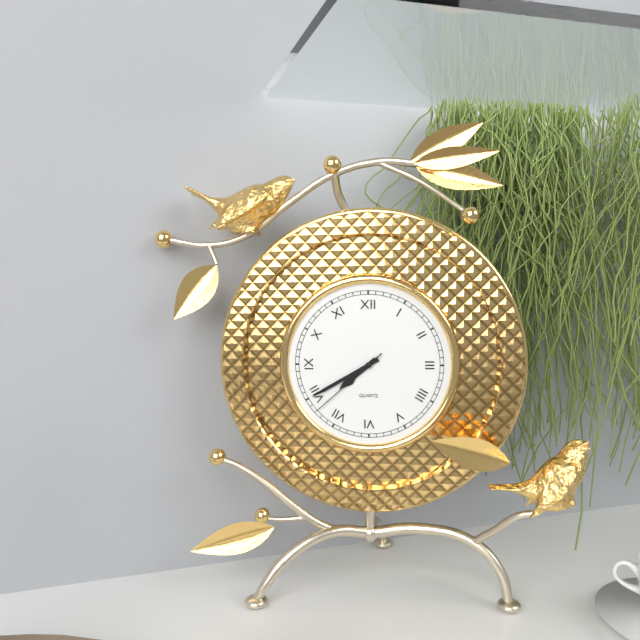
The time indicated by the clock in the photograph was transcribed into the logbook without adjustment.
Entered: 7:40:38
